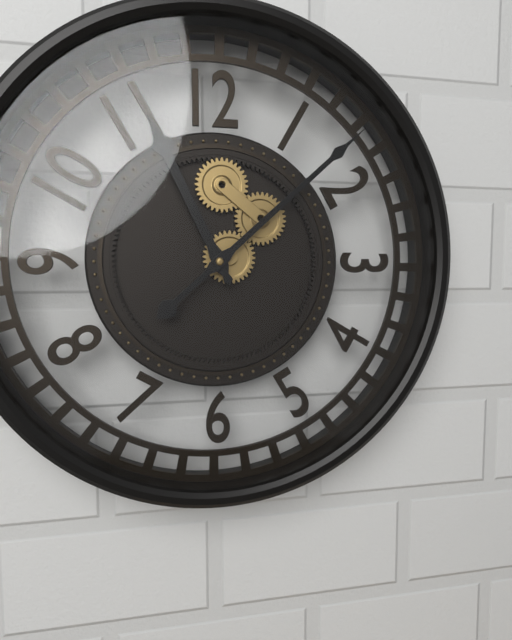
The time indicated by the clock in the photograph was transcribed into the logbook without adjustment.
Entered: 11:08
